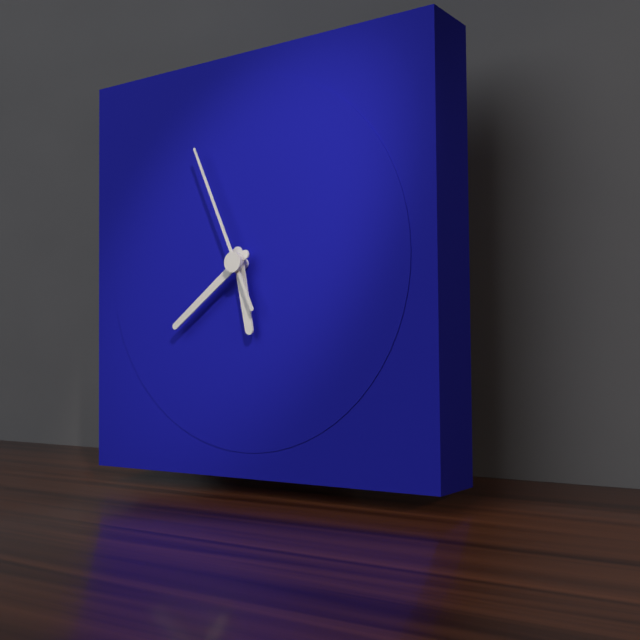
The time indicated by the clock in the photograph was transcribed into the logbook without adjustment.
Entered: 5:39:56
